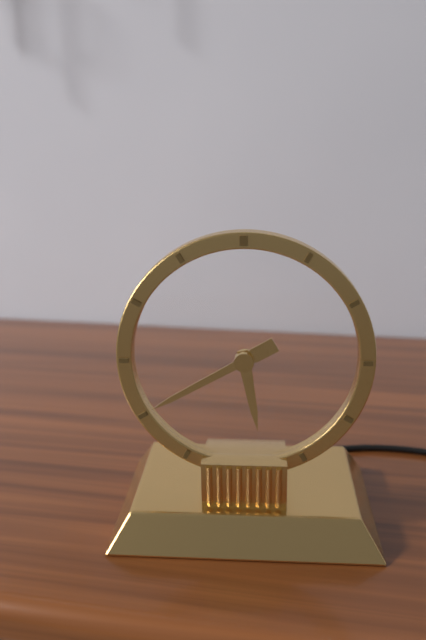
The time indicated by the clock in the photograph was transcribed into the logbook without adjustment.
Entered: 5:40
